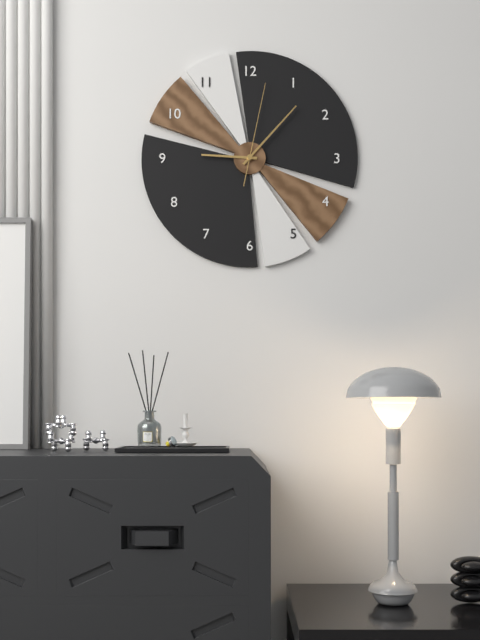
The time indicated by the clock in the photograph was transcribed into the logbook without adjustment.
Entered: 9:07:02
